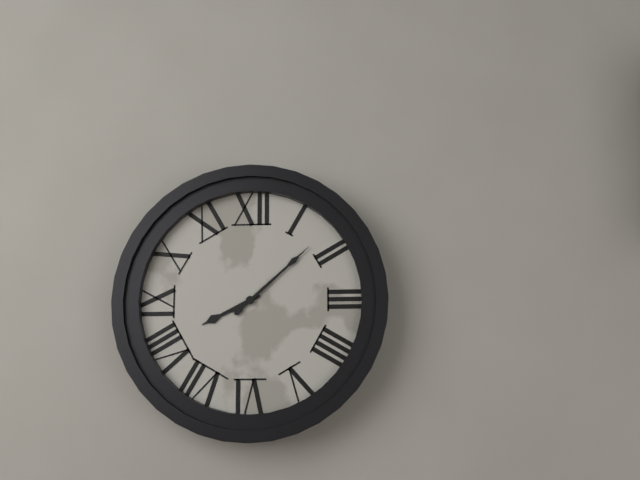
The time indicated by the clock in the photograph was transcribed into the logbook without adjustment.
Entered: 8:08
